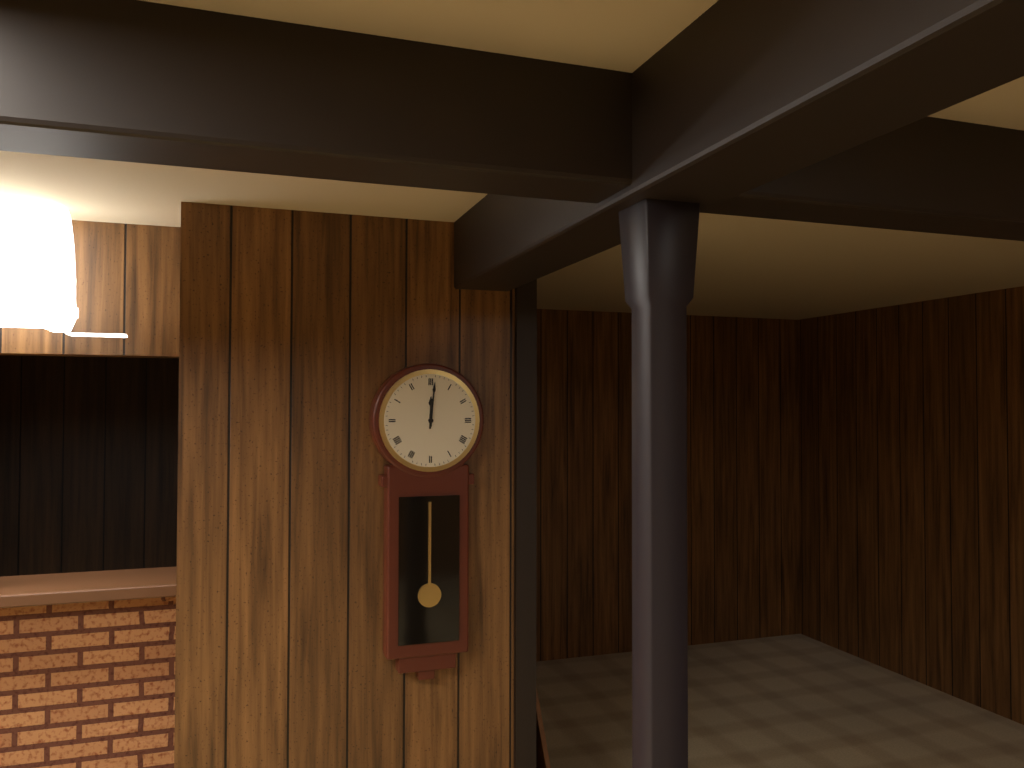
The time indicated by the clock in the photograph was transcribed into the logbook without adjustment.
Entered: 12:01
